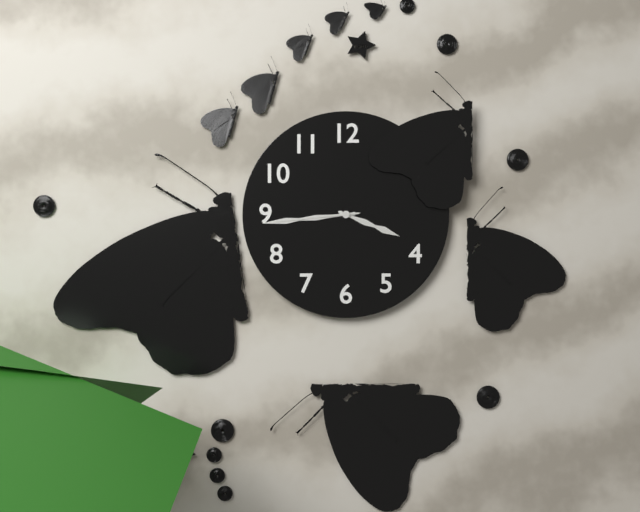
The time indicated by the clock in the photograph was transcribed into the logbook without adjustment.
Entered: 3:44:44
